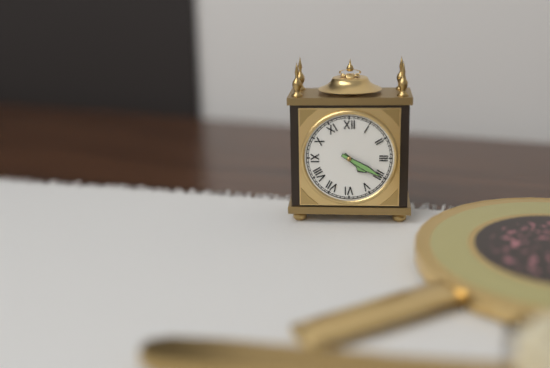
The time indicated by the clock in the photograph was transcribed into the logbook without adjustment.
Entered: 4:20
